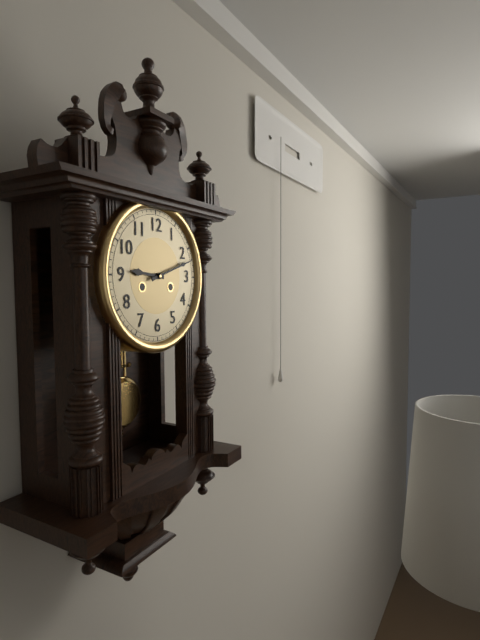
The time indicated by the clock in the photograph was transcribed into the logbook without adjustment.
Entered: 9:12
